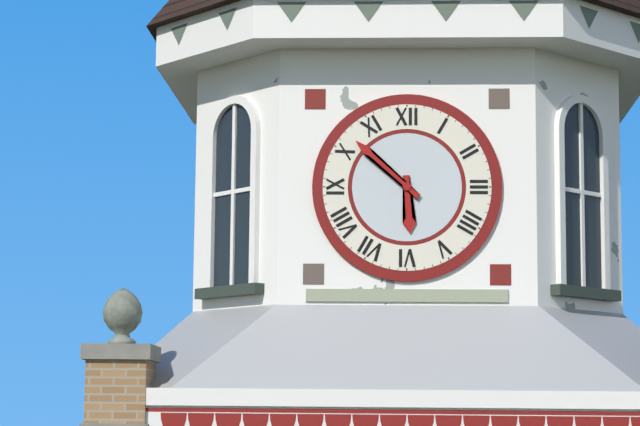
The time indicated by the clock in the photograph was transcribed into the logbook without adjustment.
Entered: 5:52
